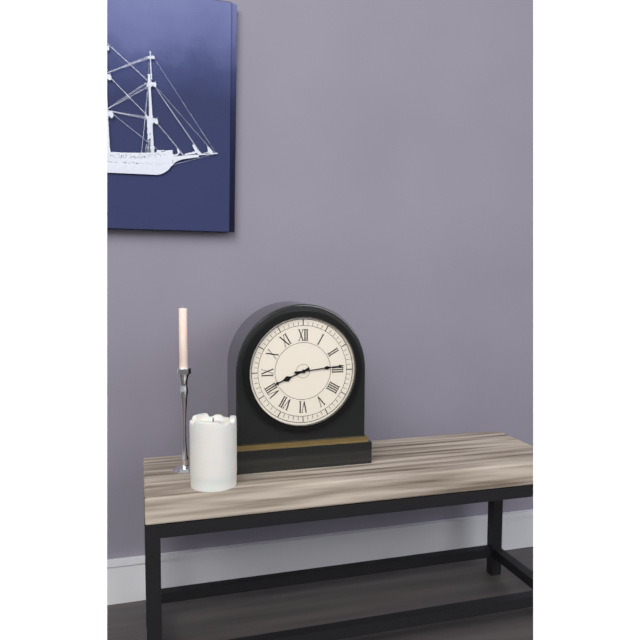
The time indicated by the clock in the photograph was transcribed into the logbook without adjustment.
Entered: 8:14
